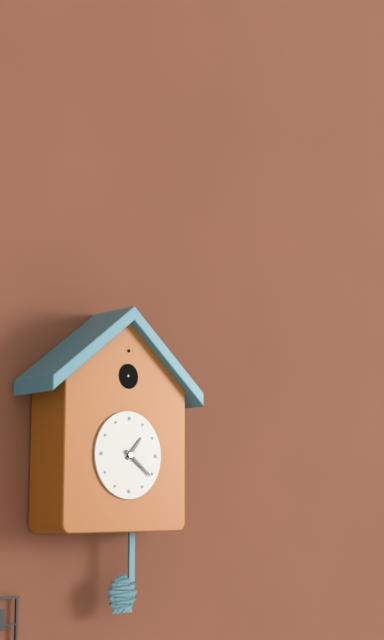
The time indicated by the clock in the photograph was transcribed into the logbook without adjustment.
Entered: 1:21
